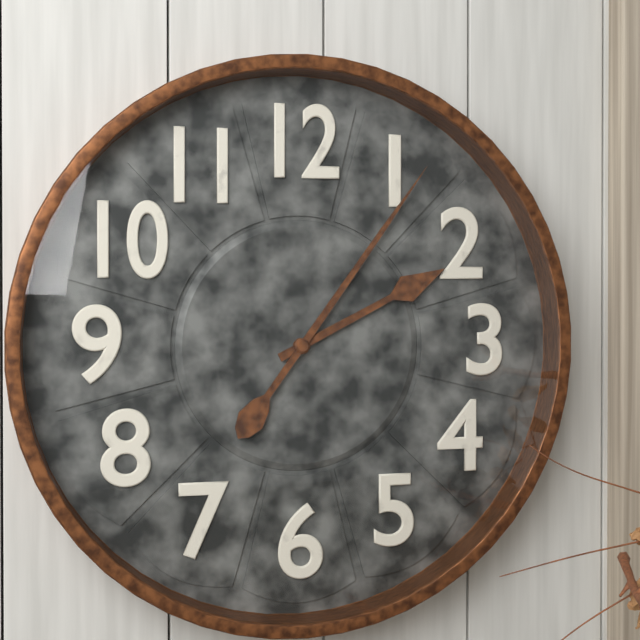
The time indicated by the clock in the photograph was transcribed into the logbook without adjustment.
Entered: 2:06
